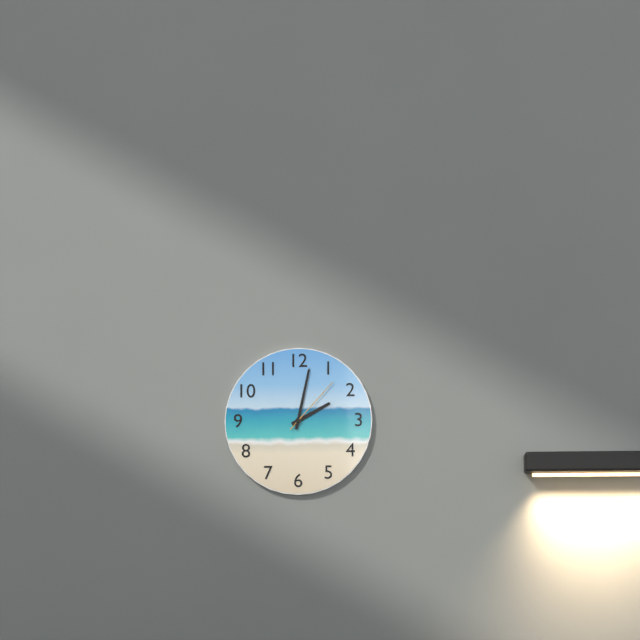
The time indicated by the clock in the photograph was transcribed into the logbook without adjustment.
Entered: 2:02:07
